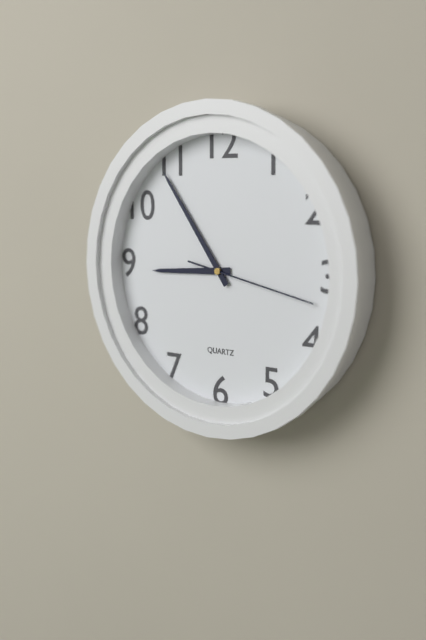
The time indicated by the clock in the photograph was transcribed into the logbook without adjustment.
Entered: 8:54:17
